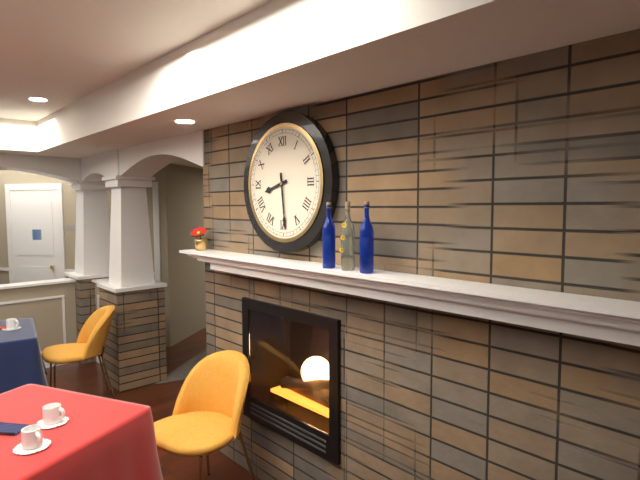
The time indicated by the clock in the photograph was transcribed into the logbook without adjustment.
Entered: 8:29
